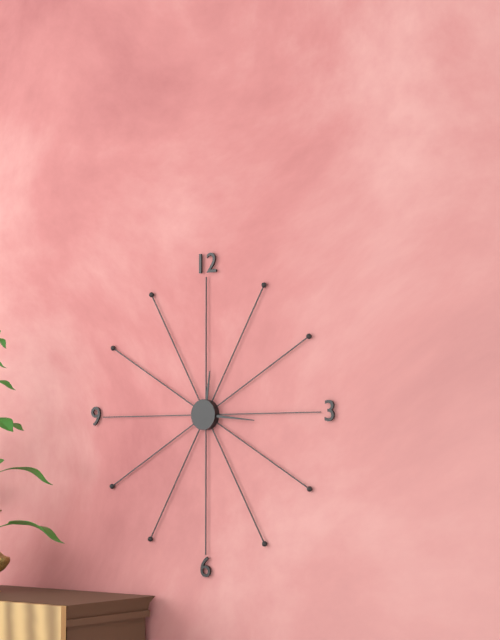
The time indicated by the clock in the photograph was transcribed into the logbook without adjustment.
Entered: 12:16
